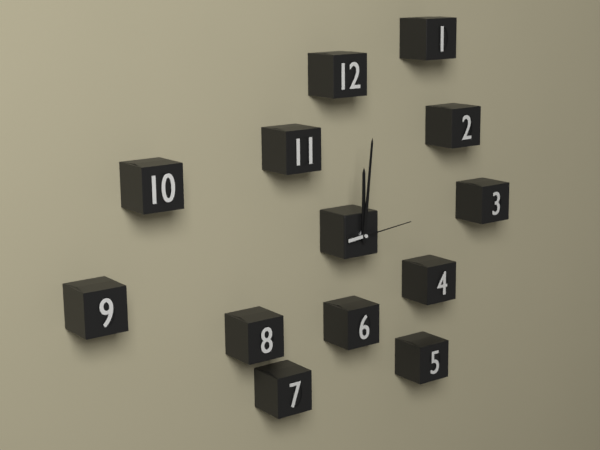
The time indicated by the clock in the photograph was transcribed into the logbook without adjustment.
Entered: 12:01:14
